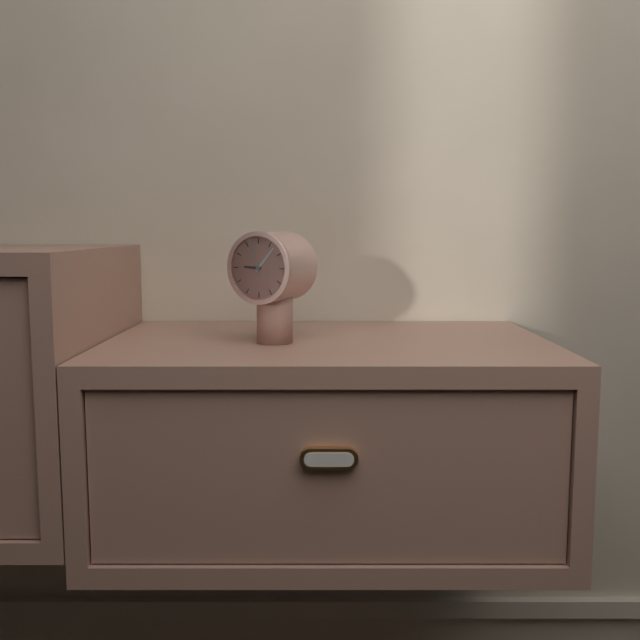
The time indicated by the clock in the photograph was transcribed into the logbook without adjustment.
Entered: 9:07
